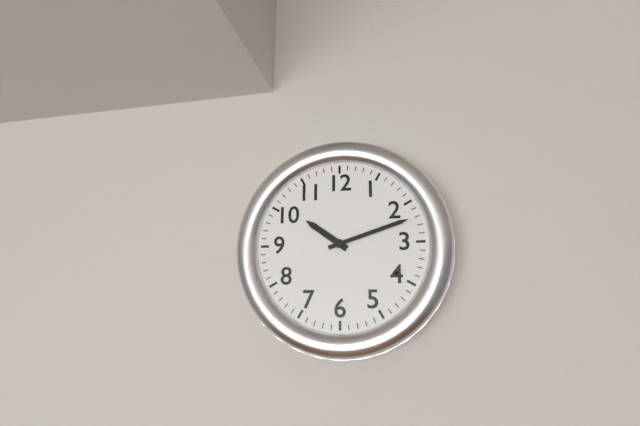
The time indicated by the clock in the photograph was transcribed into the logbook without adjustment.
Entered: 10:12
